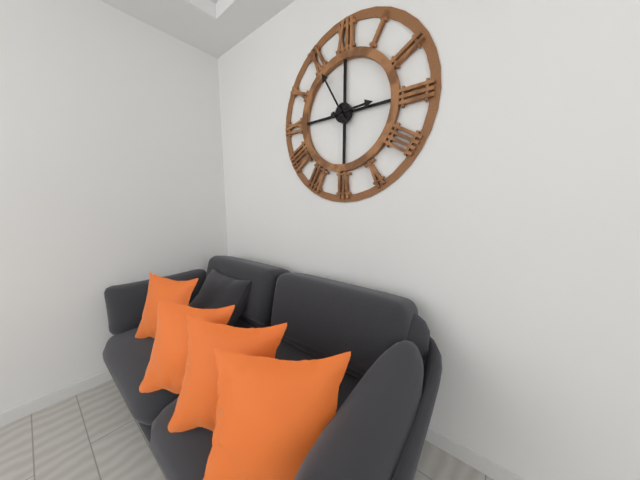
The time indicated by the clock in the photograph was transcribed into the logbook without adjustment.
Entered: 2:55
